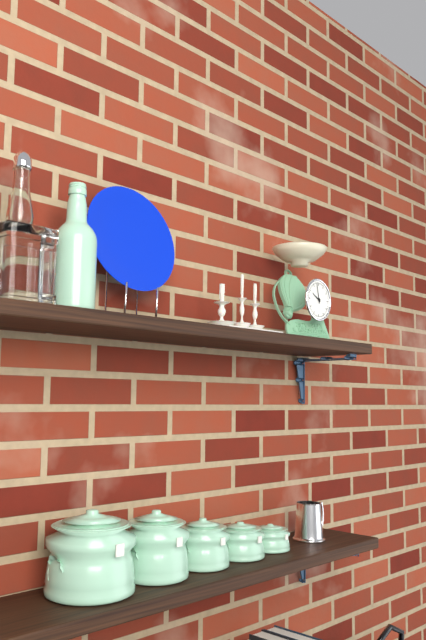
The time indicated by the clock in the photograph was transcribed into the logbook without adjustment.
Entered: 9:58
